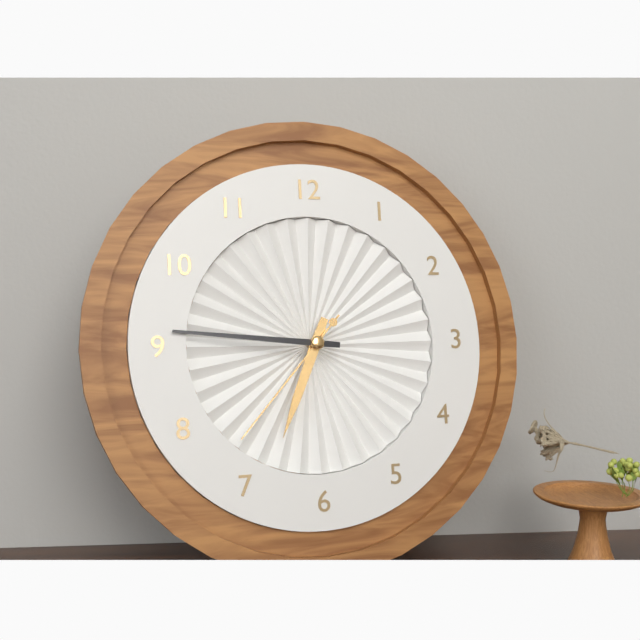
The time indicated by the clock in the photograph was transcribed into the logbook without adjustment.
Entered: 6:46:37
